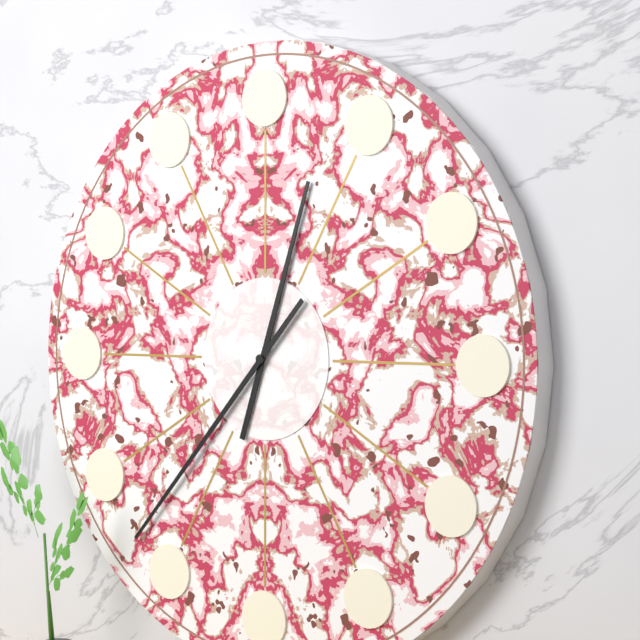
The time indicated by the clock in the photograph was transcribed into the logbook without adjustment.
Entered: 12:37
